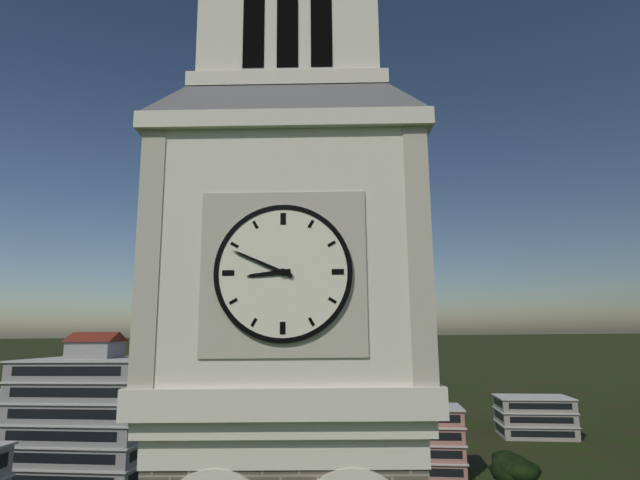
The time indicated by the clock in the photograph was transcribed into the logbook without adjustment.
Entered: 8:49
